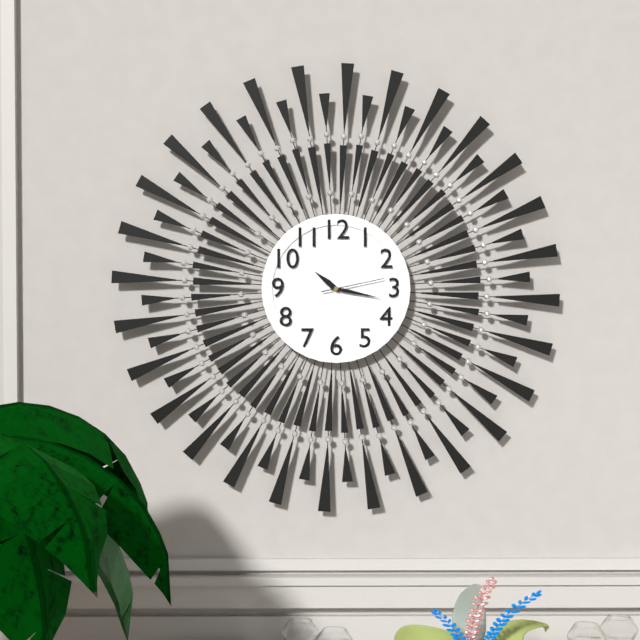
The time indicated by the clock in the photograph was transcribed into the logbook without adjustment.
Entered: 10:17:13
